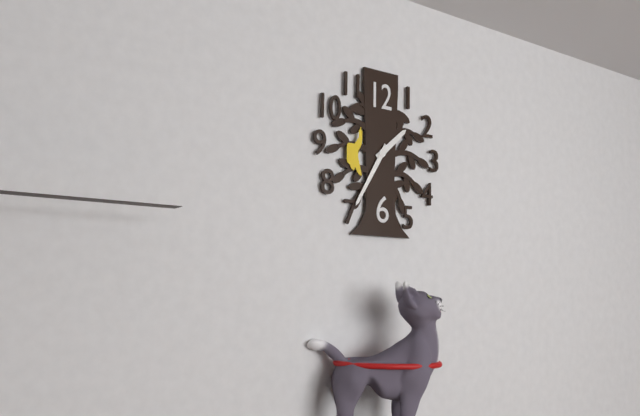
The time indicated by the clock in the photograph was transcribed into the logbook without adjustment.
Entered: 1:35
